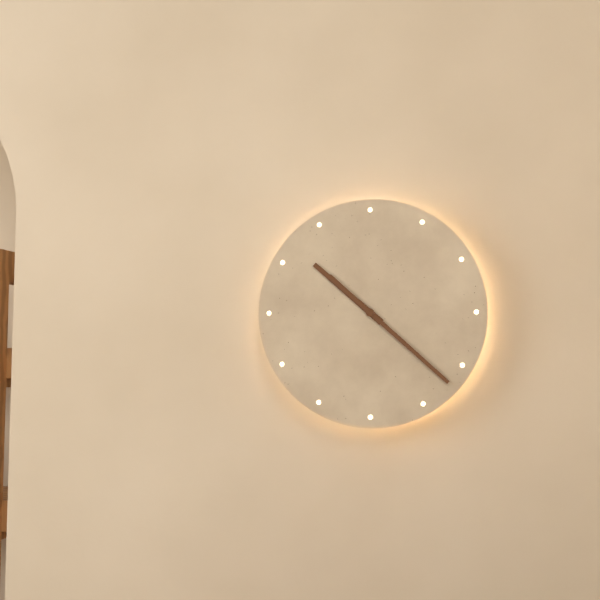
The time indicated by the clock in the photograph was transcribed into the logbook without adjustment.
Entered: 10:22
